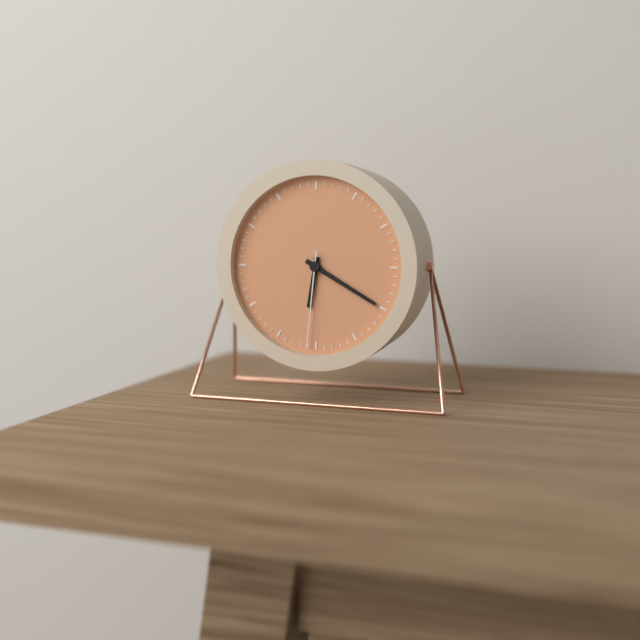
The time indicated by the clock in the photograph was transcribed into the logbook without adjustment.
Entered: 6:20:31
